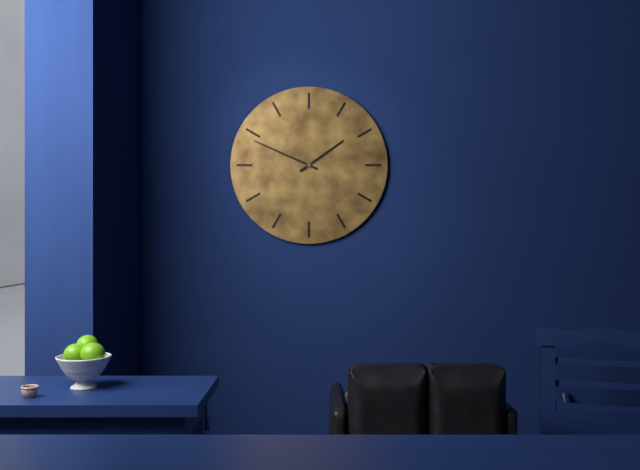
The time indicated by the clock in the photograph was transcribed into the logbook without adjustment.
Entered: 1:49
